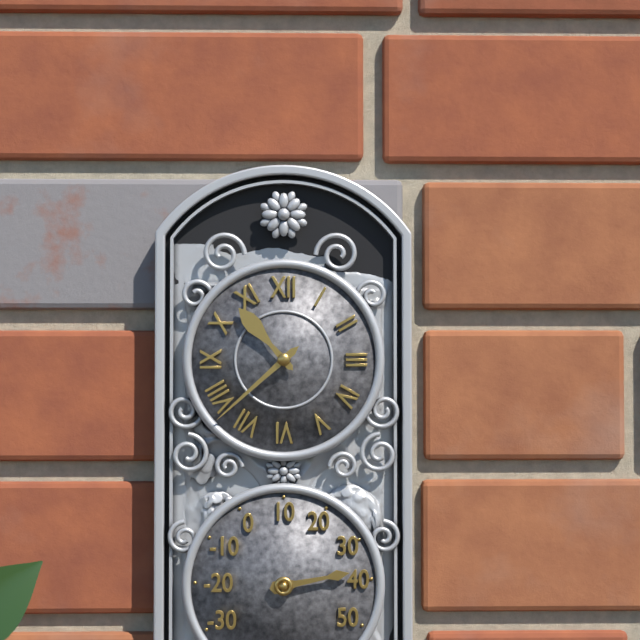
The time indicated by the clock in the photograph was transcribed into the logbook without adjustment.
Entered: 10:38
